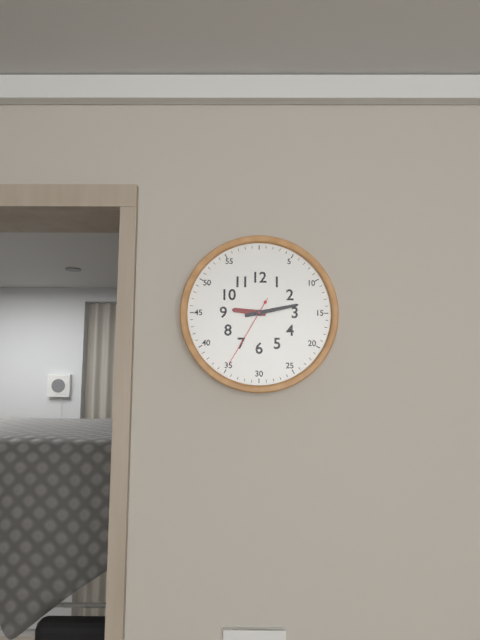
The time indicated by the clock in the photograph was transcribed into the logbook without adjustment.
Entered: 9:13:35
